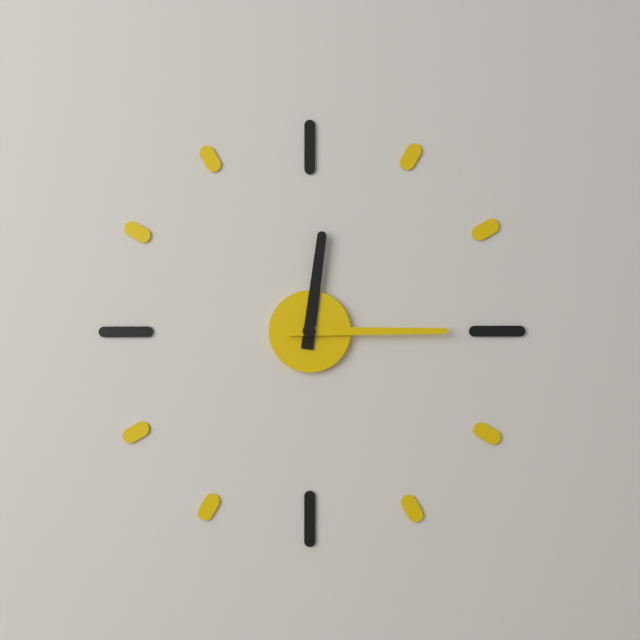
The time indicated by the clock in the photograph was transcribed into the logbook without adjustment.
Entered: 12:15
